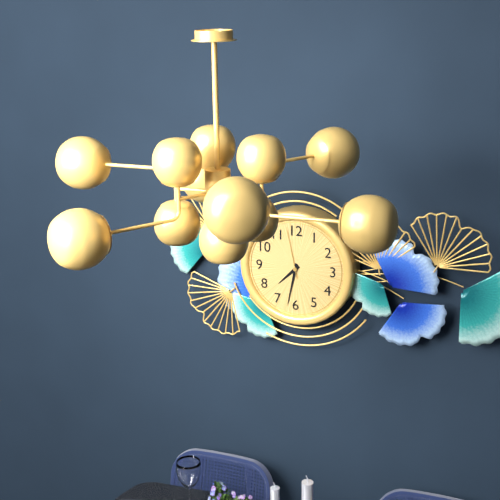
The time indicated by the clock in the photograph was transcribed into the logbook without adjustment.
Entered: 7:32:58
